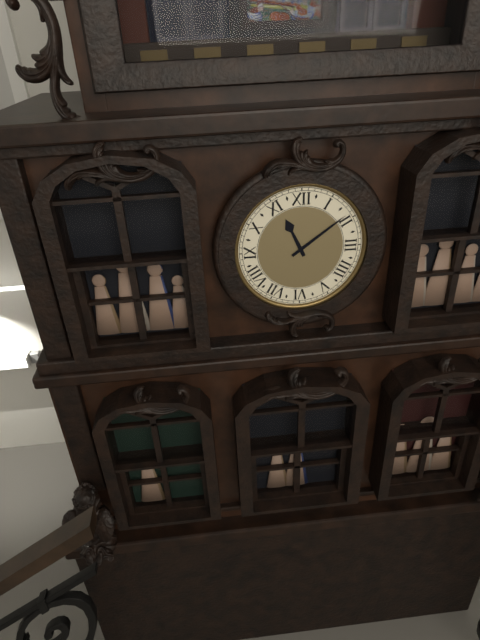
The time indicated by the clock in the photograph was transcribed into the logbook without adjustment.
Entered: 11:09
